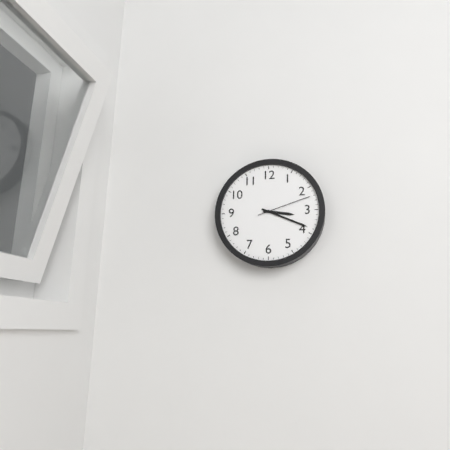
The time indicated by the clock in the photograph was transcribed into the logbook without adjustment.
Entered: 3:19:12
